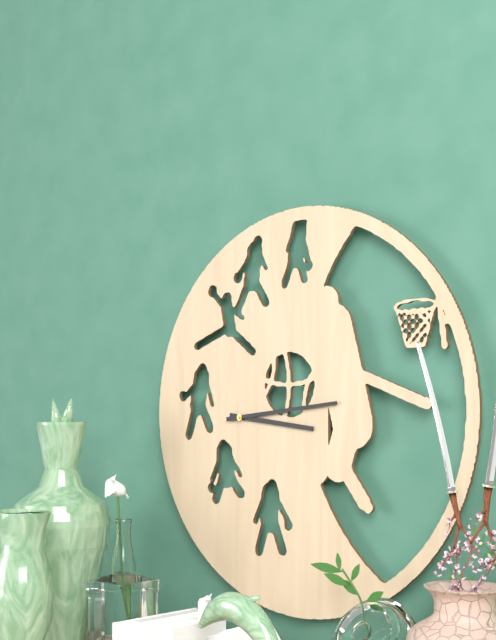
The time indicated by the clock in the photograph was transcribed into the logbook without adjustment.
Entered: 3:14
